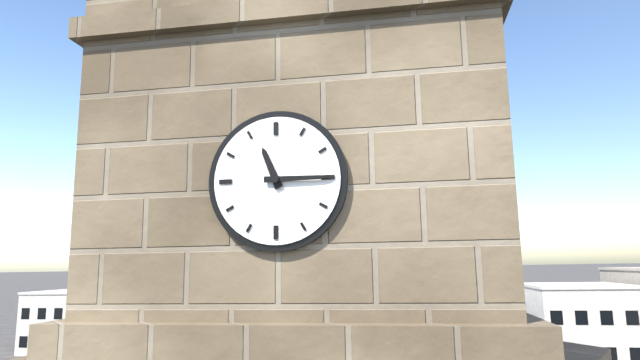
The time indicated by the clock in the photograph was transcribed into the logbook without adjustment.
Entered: 11:15
